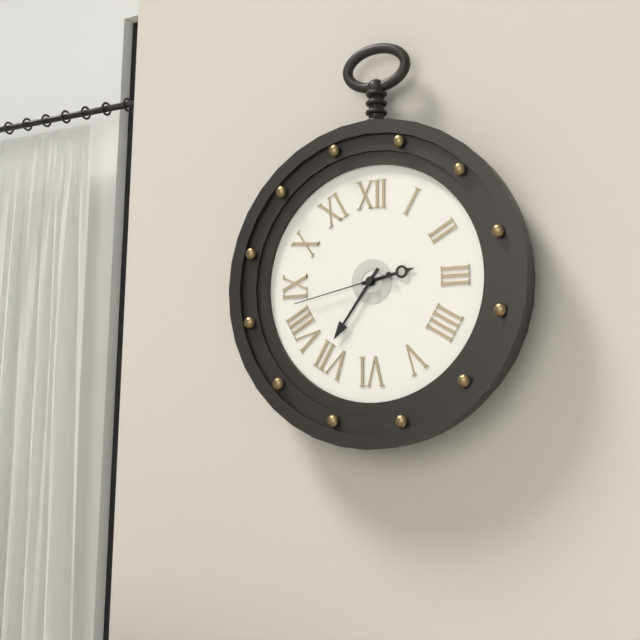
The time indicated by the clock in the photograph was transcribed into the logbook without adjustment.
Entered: 2:36:43
